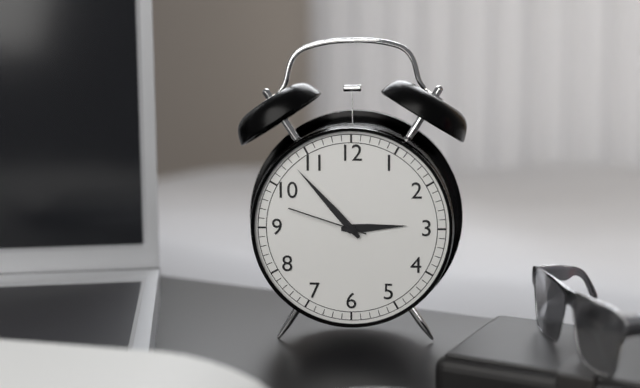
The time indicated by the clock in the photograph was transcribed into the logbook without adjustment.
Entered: 2:53:48
